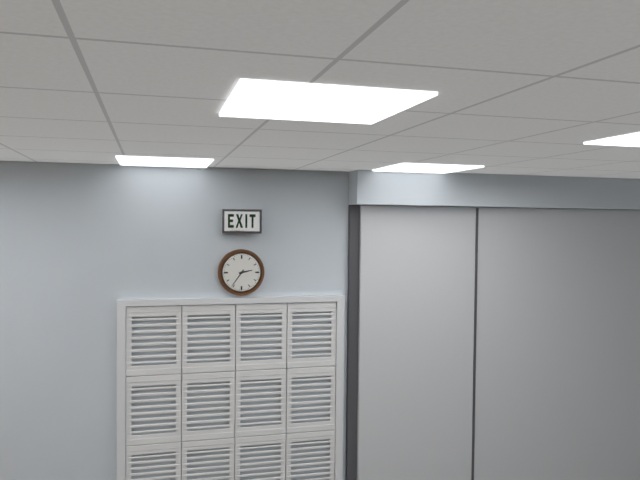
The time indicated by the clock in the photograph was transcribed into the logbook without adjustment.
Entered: 2:36
